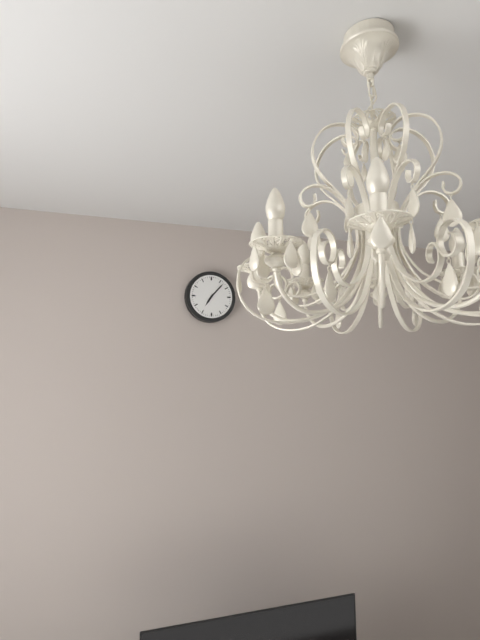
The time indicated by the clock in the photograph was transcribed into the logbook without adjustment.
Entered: 7:07
